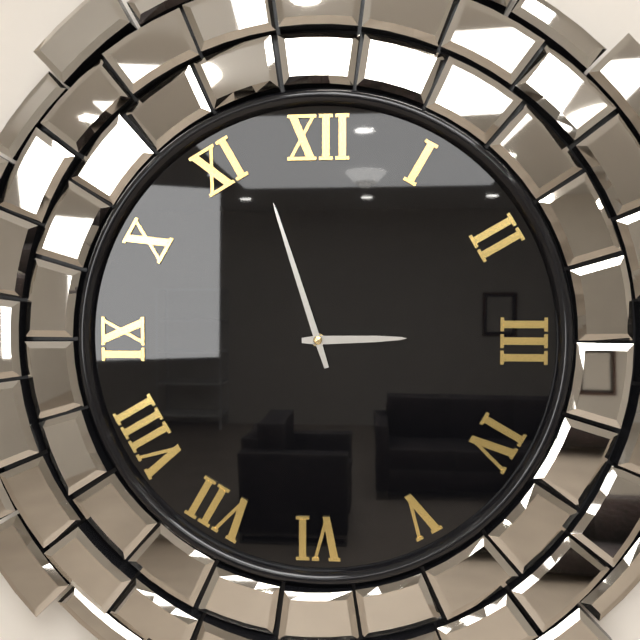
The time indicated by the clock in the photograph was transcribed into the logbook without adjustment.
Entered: 2:57
